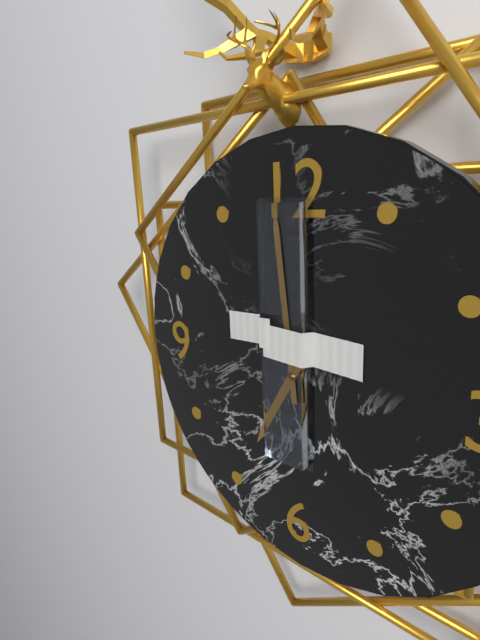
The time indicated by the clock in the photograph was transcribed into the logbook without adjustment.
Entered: 6:59
